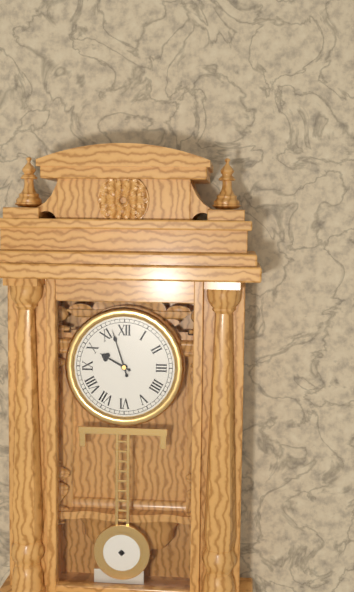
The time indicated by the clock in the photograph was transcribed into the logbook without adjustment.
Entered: 9:57
